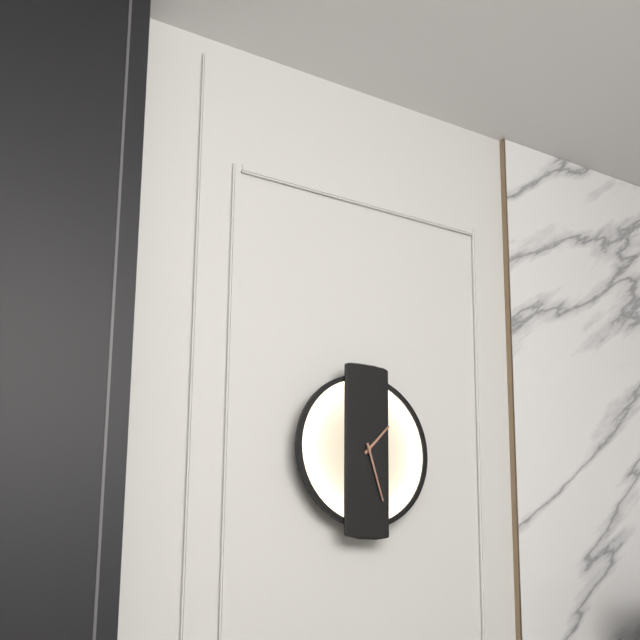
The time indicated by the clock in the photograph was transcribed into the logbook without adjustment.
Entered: 1:27
